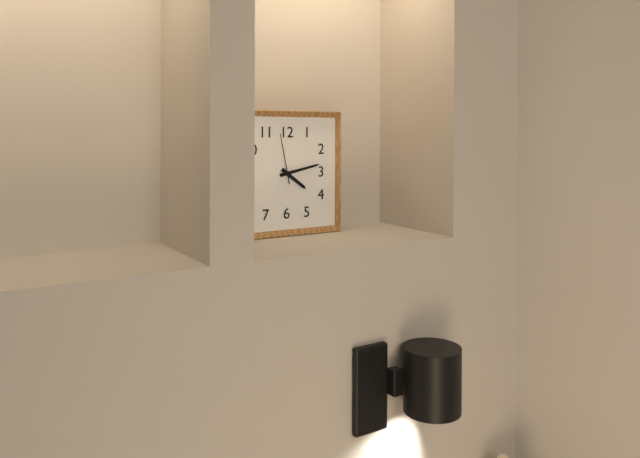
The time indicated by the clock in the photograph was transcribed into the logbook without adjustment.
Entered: 4:13:58
